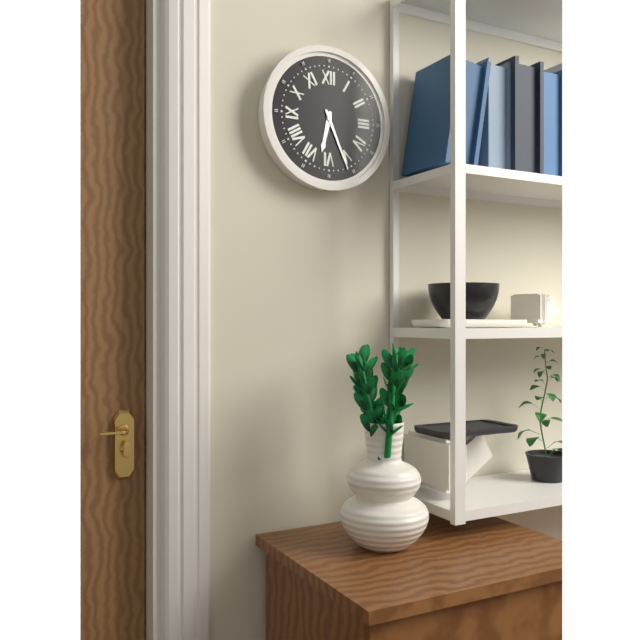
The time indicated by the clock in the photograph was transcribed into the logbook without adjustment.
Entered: 6:26
